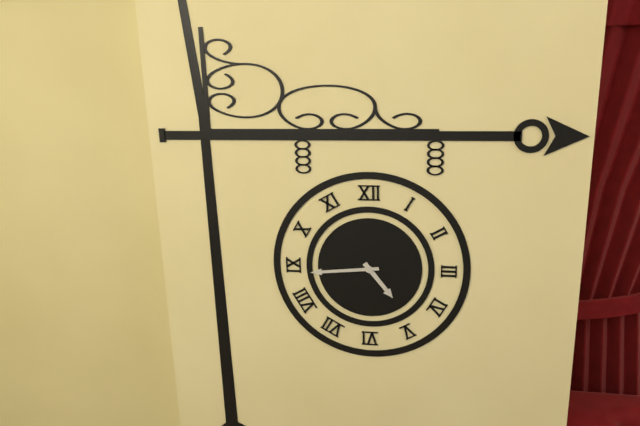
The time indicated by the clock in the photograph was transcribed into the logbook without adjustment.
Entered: 4:44
